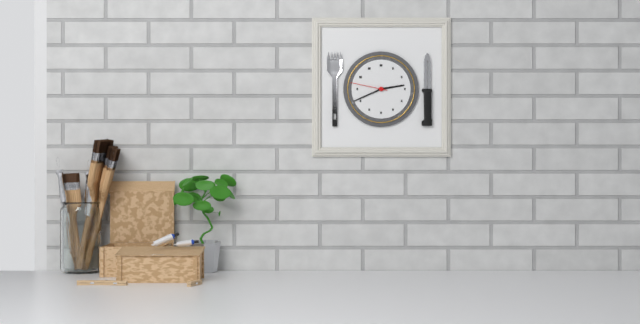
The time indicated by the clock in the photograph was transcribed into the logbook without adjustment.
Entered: 2:41
